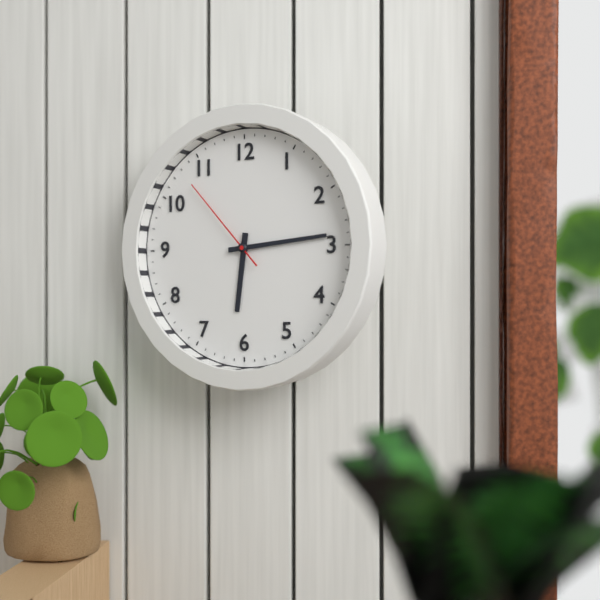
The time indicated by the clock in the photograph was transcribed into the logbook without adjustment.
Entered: 6:14:53
